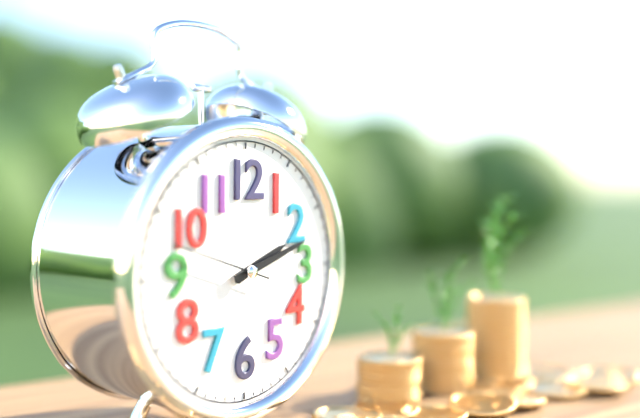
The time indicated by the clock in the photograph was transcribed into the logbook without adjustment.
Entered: 2:12:48
